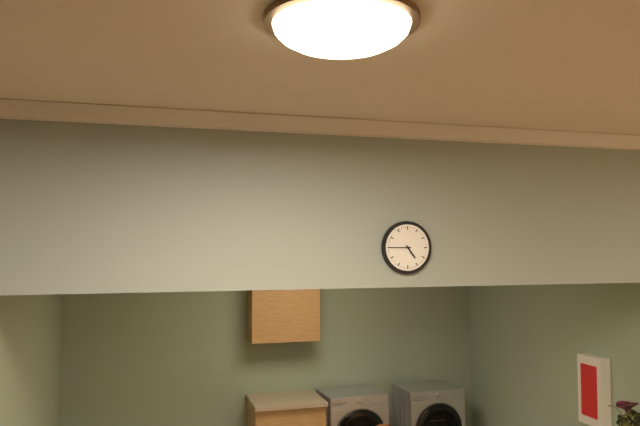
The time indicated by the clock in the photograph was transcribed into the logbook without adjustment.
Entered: 4:45
